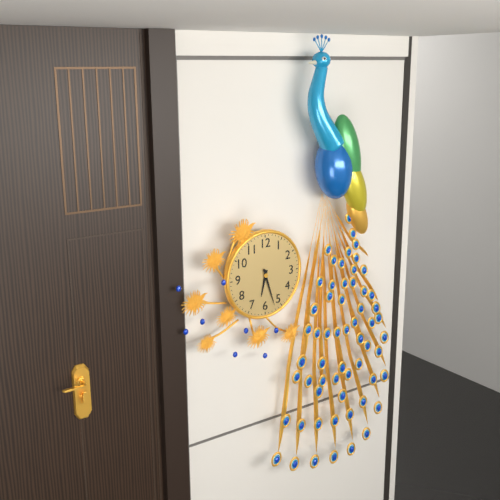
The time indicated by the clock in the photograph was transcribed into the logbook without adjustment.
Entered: 6:27
